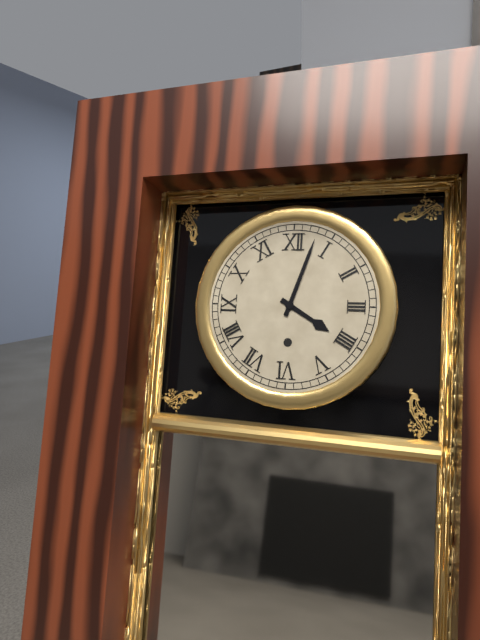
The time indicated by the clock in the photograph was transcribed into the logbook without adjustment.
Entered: 4:03
